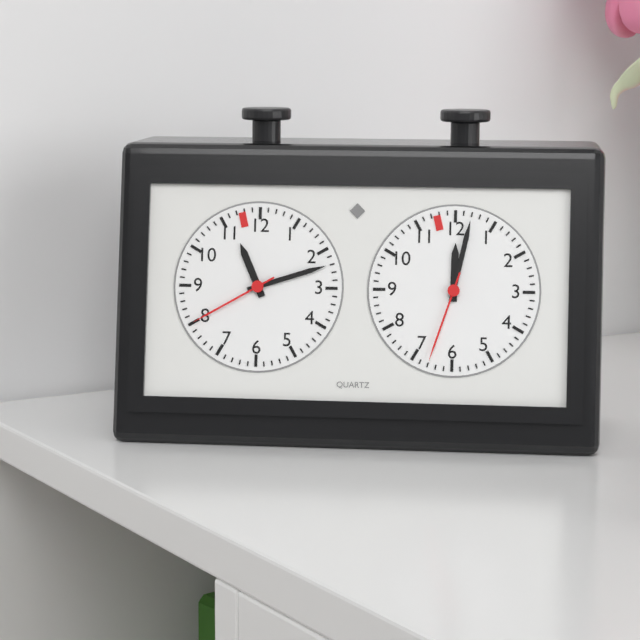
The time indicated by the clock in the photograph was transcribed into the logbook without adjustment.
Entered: 11:12:40
